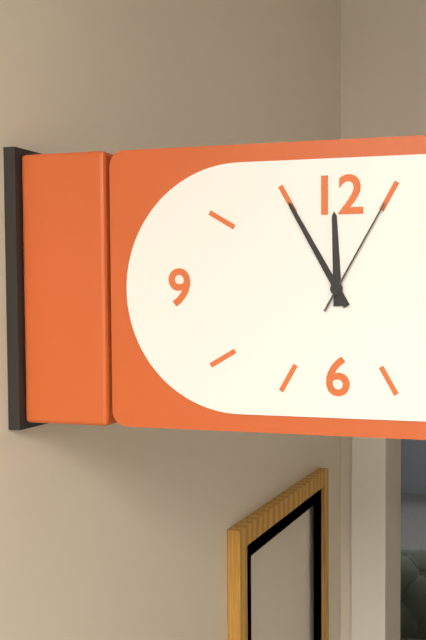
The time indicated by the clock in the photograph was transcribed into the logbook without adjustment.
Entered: 11:55:05
